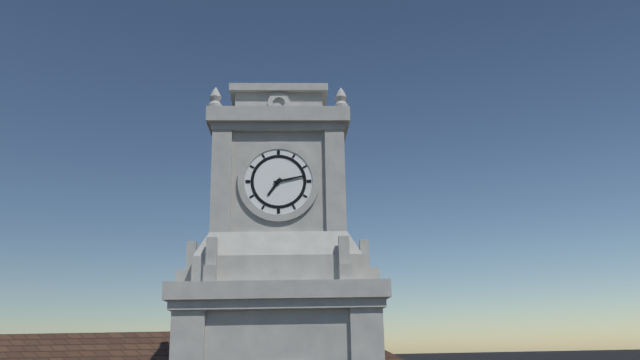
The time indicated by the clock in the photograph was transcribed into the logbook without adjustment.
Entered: 7:13
